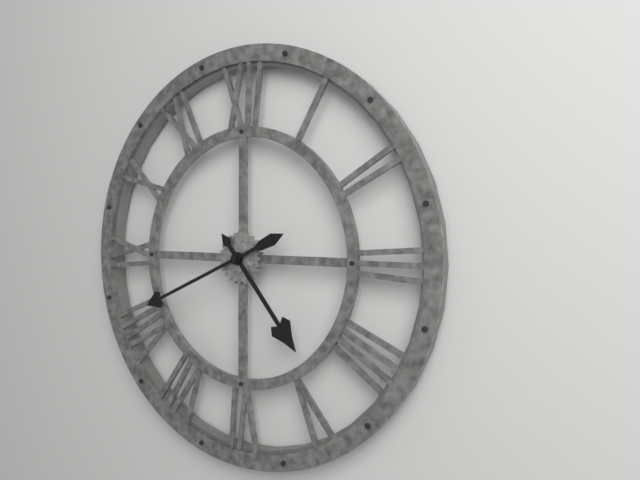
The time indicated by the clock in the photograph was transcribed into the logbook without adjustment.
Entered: 4:41
